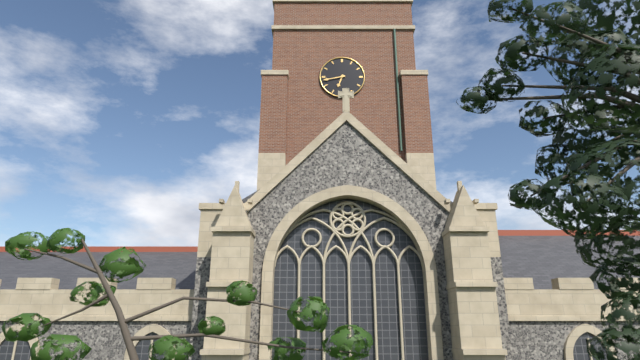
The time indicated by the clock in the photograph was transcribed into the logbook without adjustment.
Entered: 6:43
